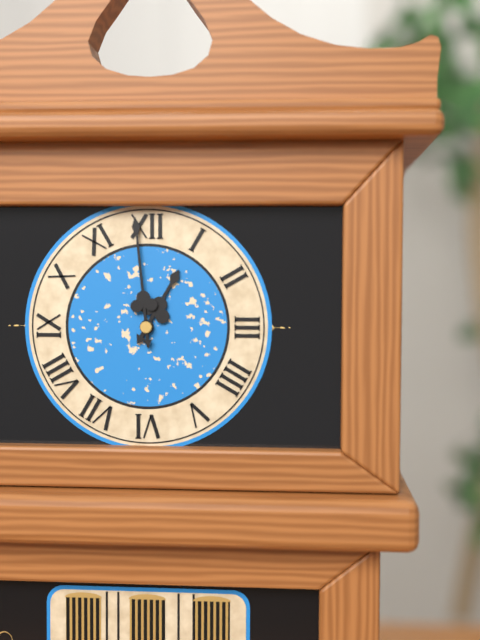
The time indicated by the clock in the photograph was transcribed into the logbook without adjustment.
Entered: 12:59
